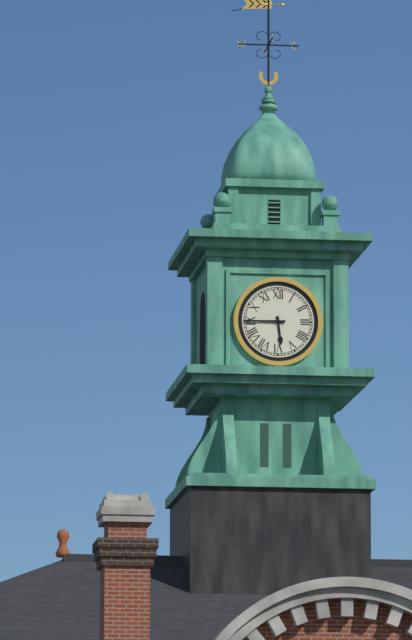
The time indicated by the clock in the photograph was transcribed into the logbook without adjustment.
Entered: 5:45
